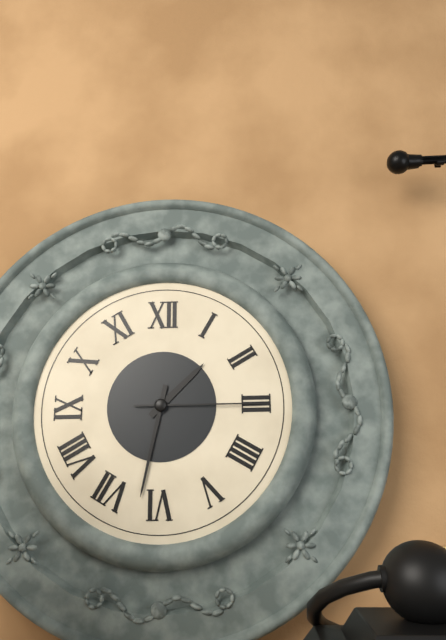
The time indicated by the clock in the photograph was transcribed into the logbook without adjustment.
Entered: 1:32:15
